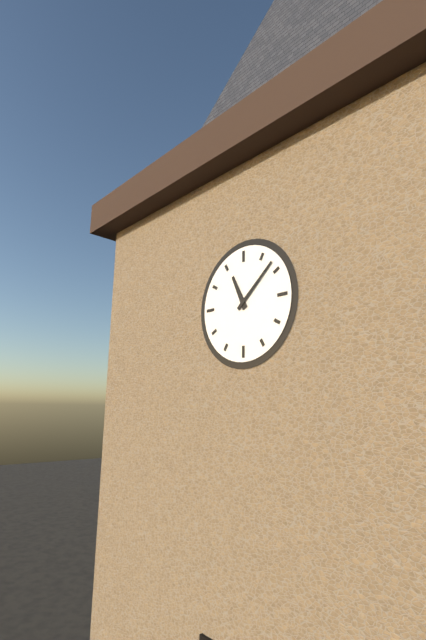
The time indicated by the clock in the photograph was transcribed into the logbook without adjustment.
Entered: 11:08
